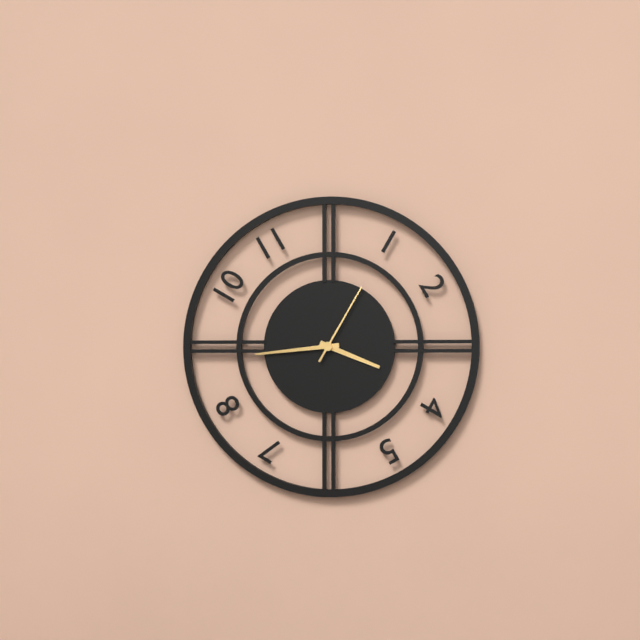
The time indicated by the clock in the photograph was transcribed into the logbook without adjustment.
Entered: 3:44:05
